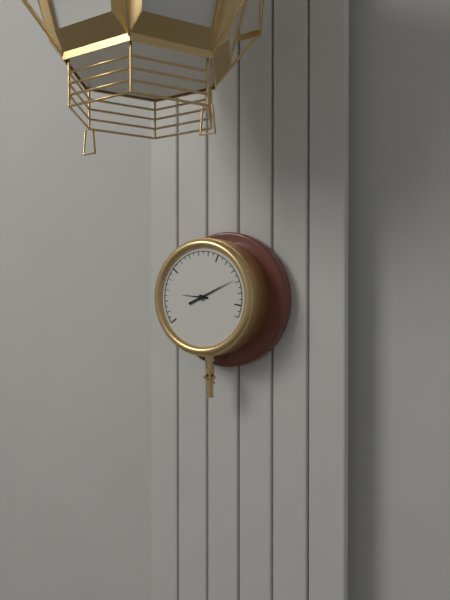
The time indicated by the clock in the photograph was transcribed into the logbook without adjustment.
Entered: 9:11
